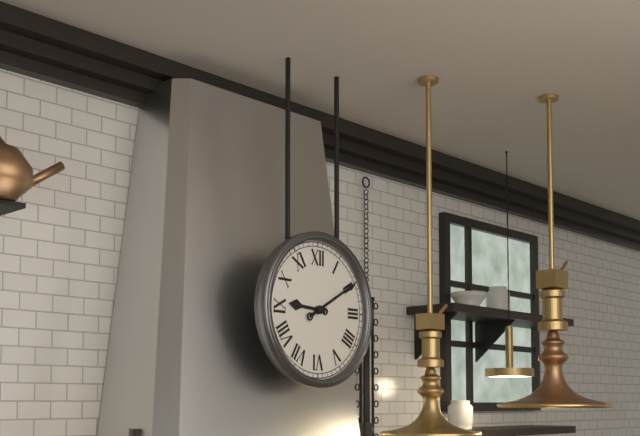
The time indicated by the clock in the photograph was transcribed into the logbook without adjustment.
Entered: 9:10
